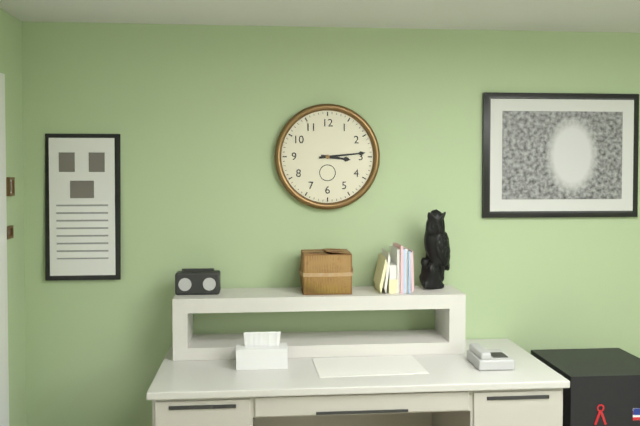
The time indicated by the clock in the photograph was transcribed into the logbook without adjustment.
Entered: 3:14
